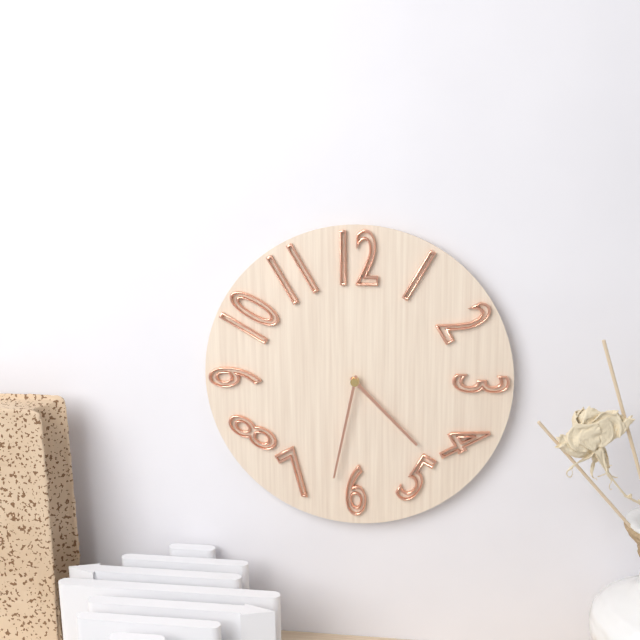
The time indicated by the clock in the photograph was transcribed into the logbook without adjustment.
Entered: 4:32
